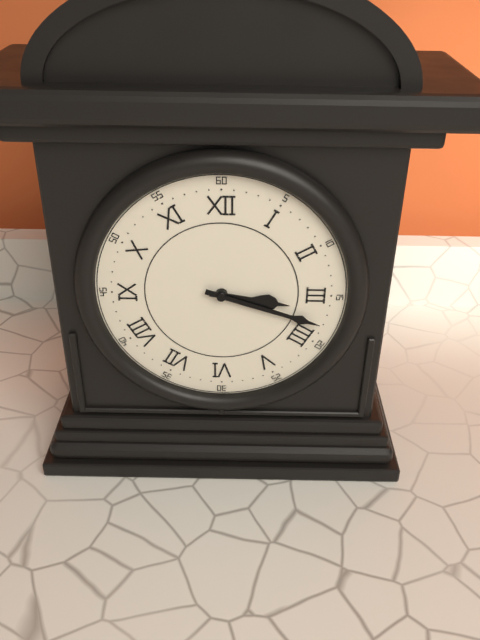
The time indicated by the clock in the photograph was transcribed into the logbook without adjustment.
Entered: 3:18
